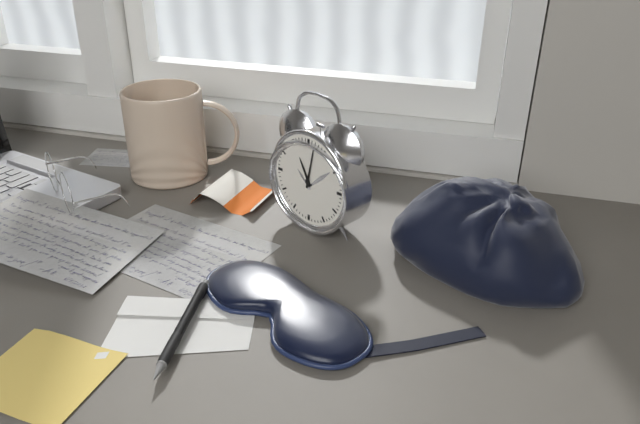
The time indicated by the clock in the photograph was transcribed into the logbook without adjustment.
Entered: 11:02
